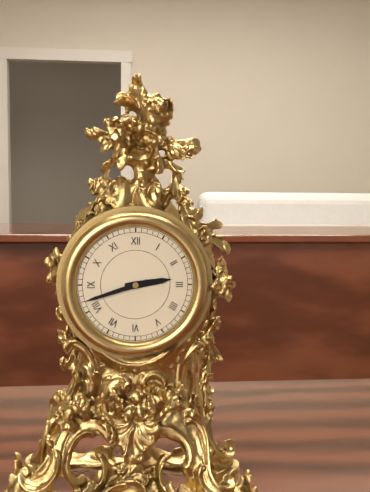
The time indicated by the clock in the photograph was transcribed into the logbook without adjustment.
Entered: 2:42
